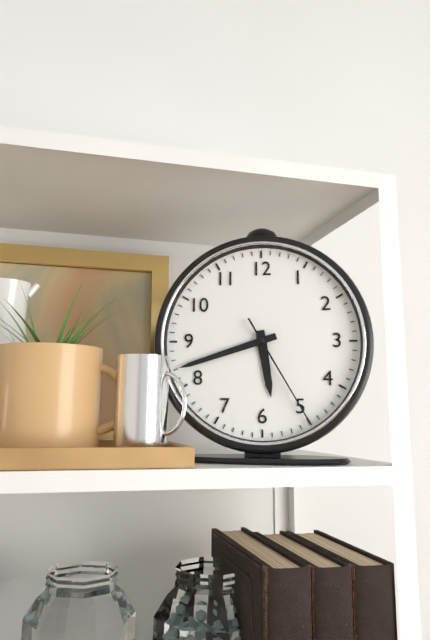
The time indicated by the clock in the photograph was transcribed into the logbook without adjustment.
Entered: 5:42:25
